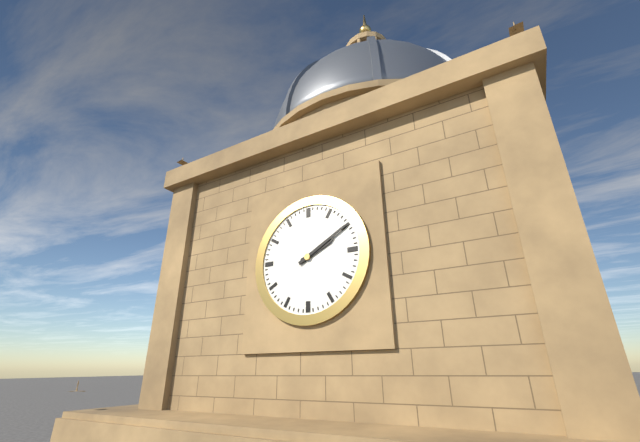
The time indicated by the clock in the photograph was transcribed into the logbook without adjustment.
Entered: 2:10
